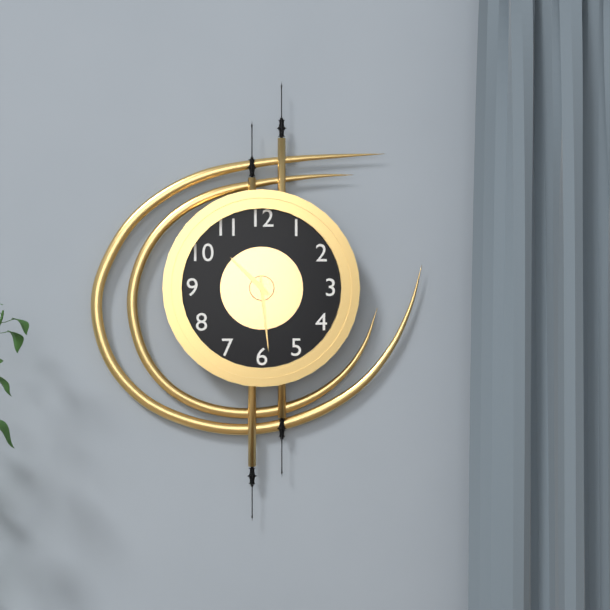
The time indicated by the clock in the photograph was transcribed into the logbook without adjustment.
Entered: 10:29
